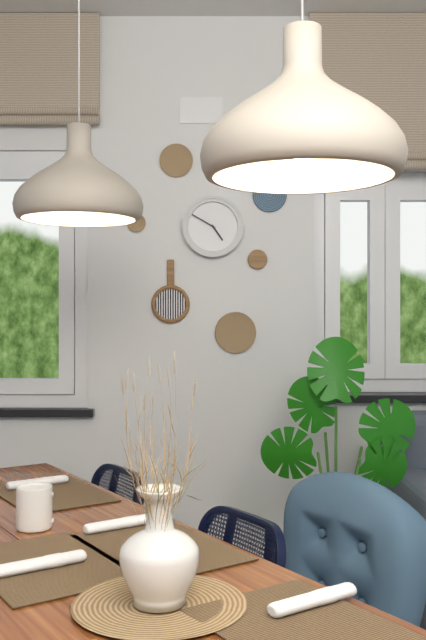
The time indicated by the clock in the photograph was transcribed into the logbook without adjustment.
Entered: 4:50
